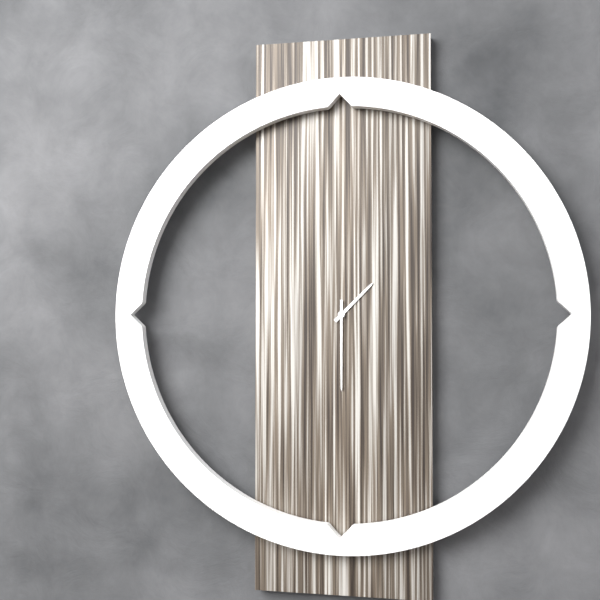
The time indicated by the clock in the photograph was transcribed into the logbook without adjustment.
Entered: 1:30
